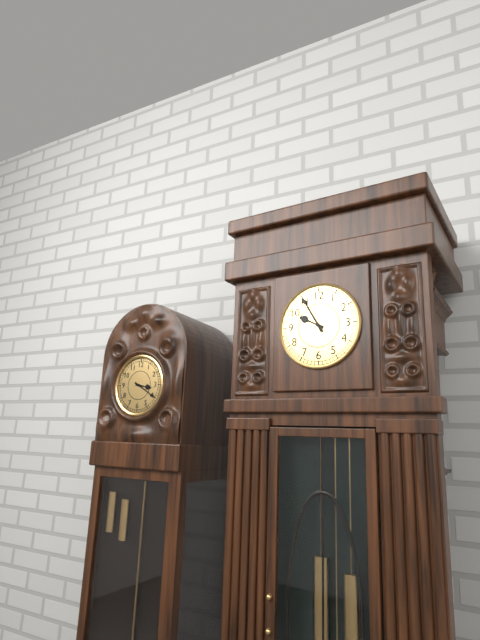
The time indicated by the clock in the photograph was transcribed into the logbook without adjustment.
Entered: 9:55
